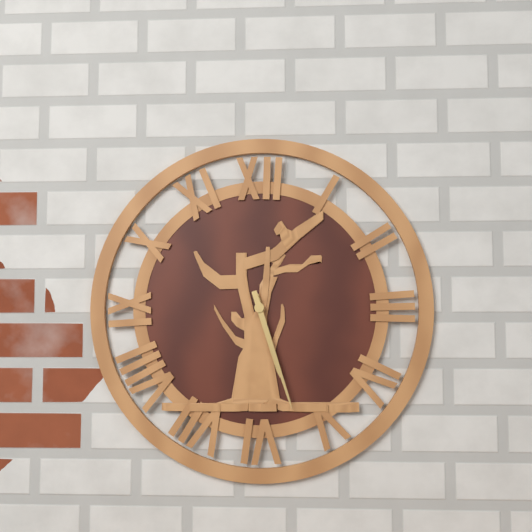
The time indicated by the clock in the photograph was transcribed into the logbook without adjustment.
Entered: 5:27
